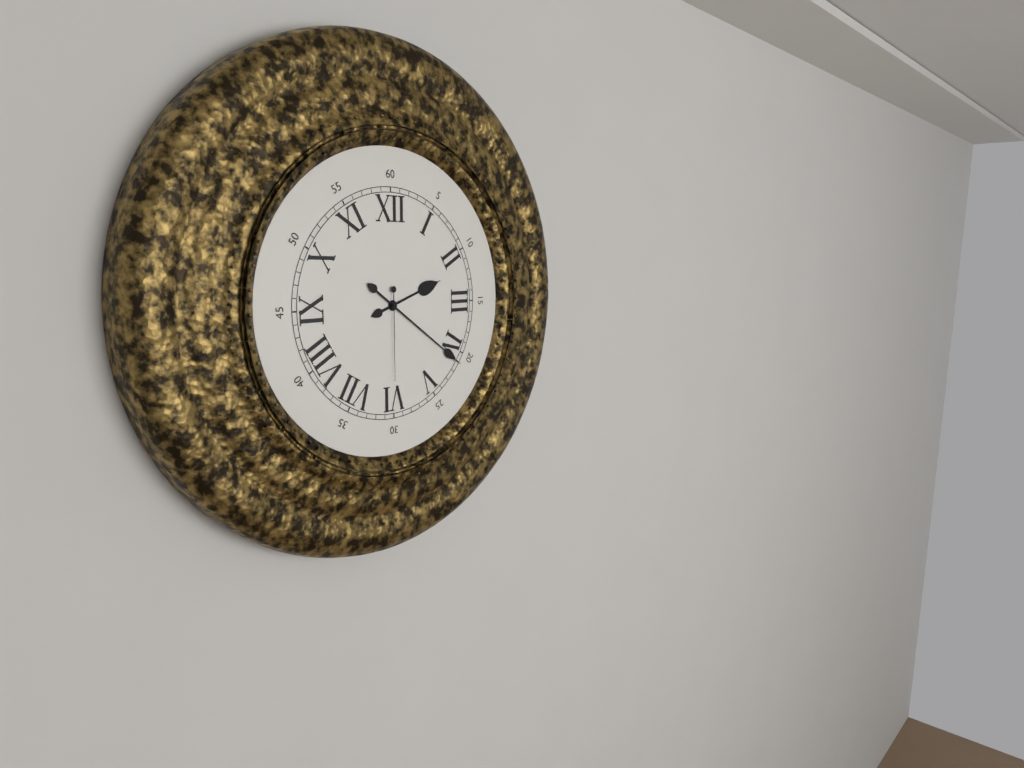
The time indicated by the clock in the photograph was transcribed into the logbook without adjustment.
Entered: 2:21:30
